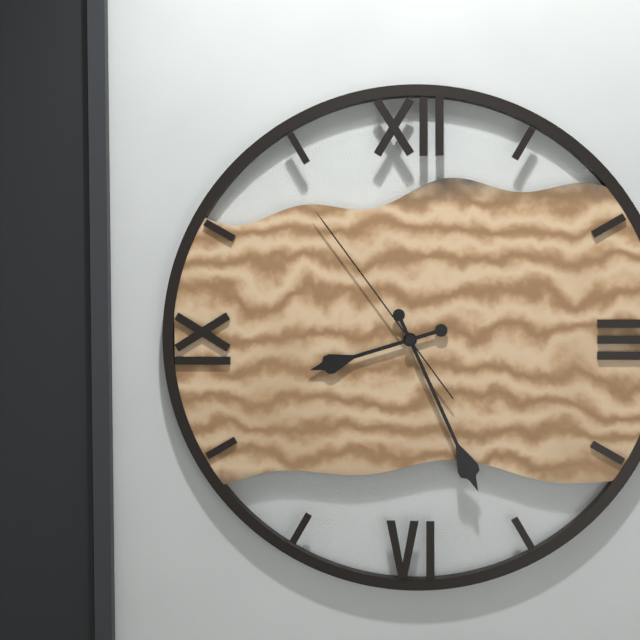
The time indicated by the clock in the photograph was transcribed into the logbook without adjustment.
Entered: 8:26:54
